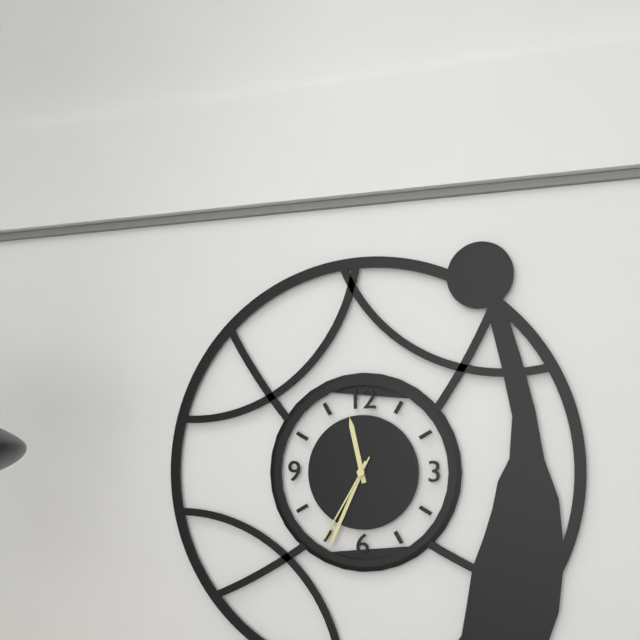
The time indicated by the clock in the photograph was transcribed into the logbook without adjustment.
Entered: 11:34:35
